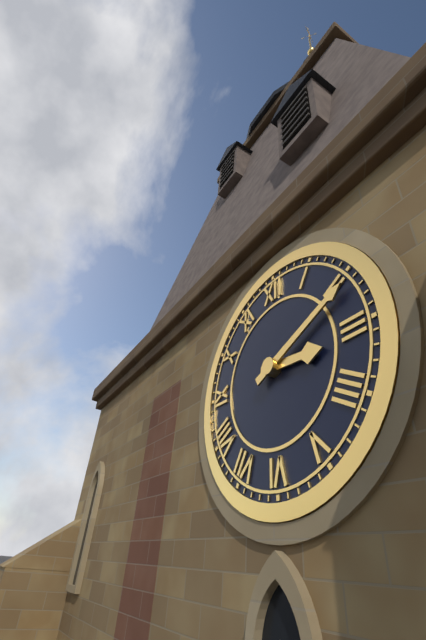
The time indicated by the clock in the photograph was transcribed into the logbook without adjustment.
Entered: 3:11
